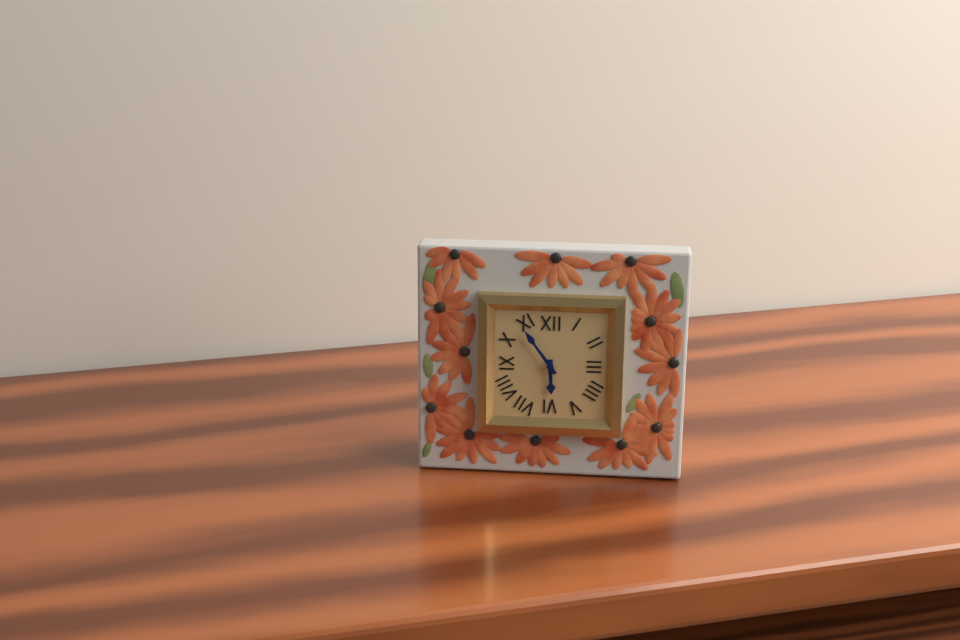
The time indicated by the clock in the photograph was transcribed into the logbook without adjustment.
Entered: 5:54
